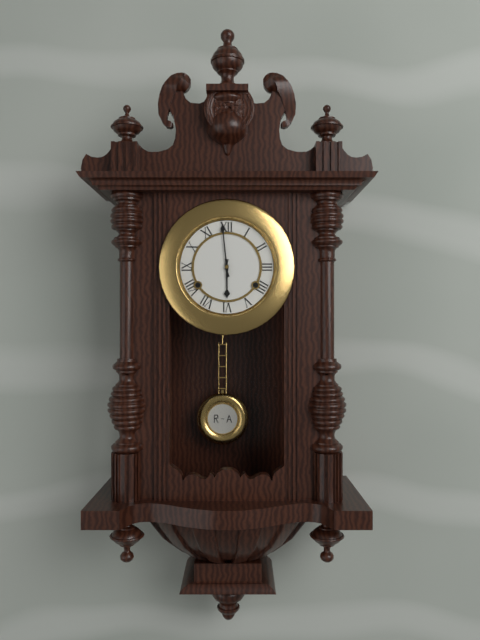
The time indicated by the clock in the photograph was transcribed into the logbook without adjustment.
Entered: 5:59
